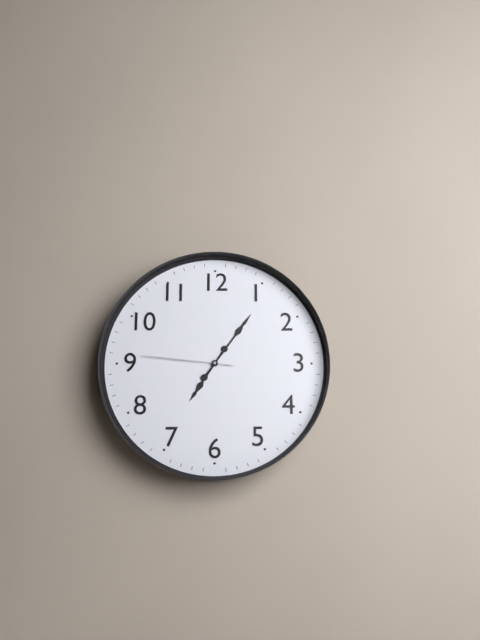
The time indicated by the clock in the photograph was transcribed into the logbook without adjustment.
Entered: 7:06:46
